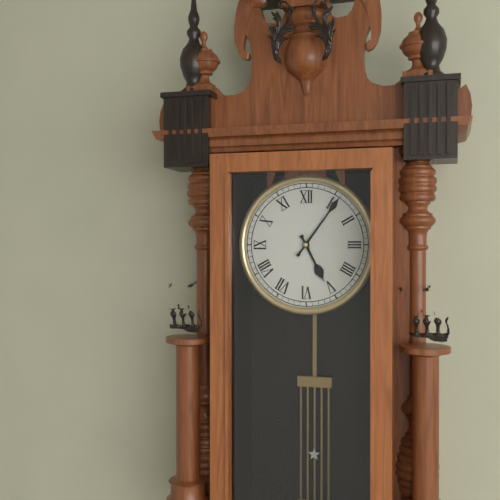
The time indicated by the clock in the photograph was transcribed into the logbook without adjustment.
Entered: 5:06
